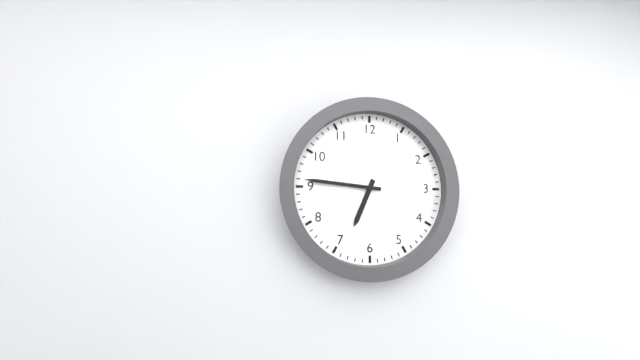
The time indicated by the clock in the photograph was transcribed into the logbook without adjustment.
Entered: 6:46
